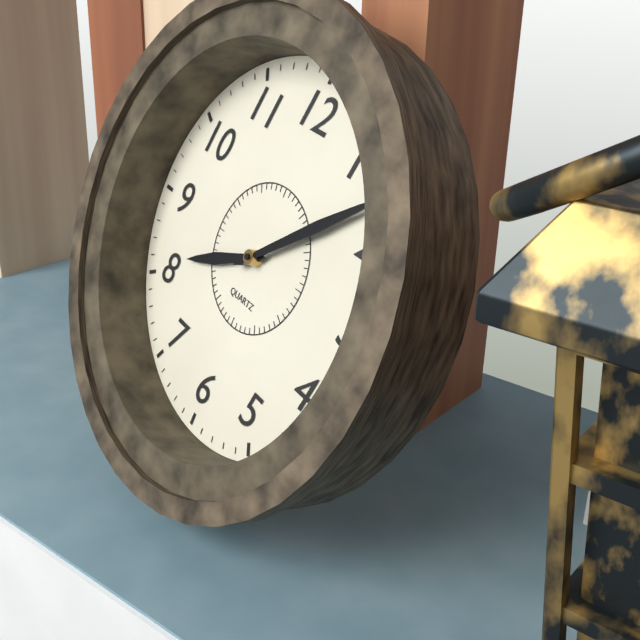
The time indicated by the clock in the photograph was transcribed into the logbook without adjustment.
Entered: 8:08
